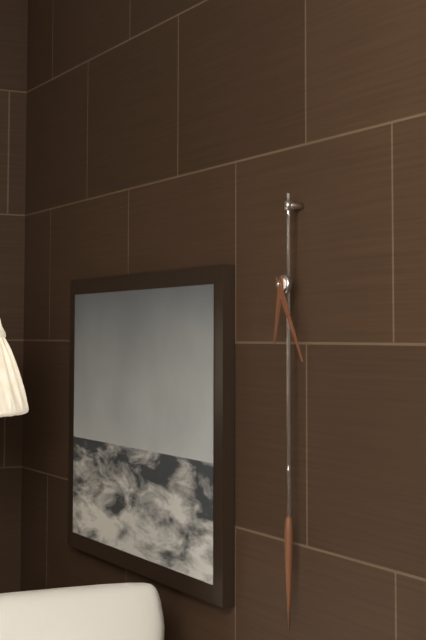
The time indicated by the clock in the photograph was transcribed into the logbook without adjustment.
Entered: 6:25
